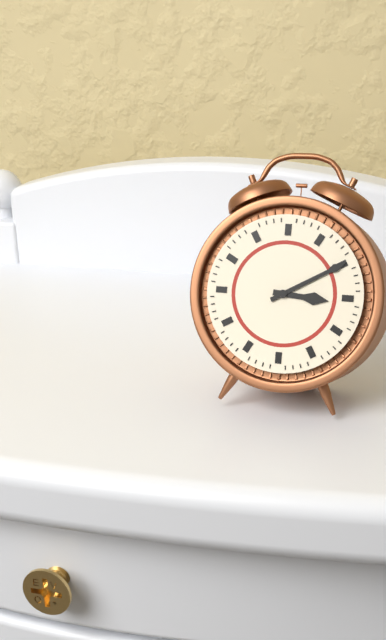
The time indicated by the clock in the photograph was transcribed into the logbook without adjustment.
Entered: 3:10
